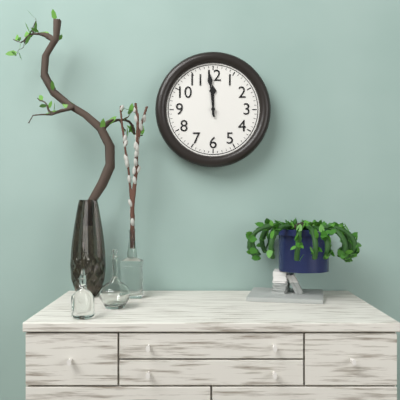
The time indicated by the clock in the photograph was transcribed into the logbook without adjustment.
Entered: 11:59
